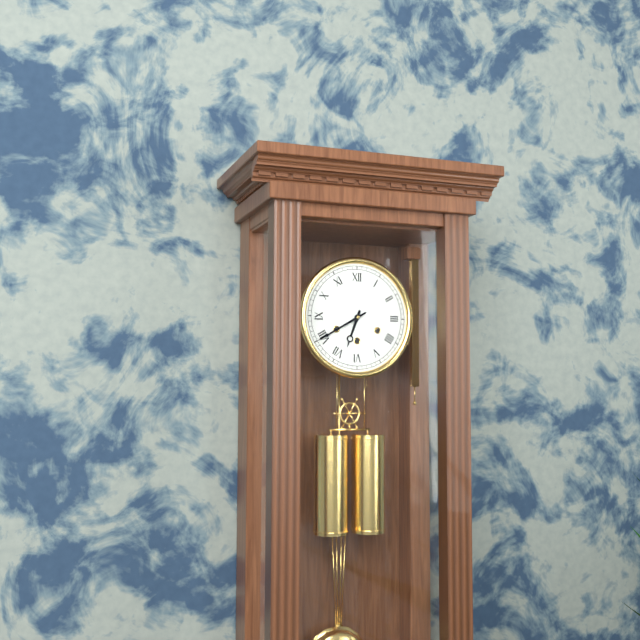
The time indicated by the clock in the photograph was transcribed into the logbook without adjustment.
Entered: 6:40
